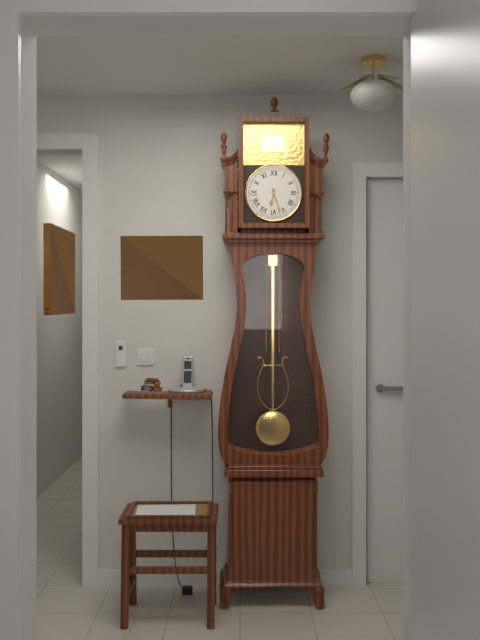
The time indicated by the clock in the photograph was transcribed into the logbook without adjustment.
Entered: 6:27
